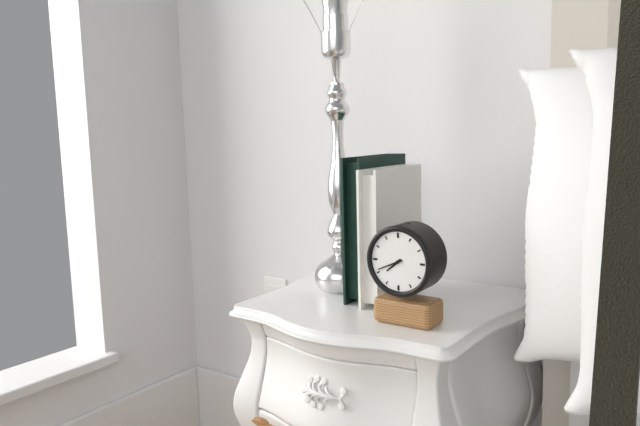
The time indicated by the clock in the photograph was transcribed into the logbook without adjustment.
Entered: 7:41
